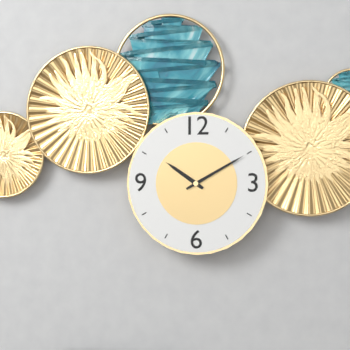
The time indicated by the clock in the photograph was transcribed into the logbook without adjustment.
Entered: 10:10
